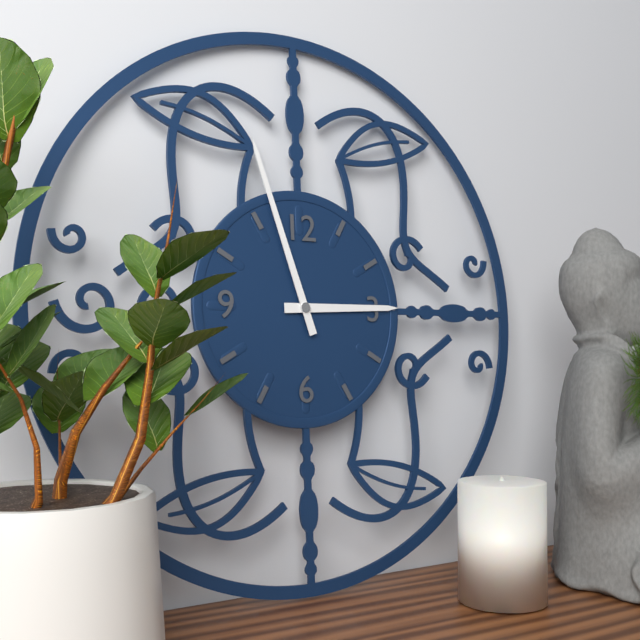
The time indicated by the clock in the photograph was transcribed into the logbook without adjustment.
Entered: 2:57
